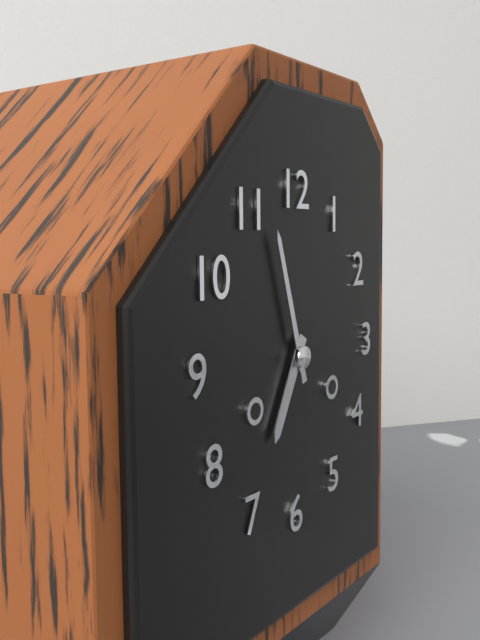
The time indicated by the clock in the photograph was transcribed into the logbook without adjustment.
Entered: 6:57
